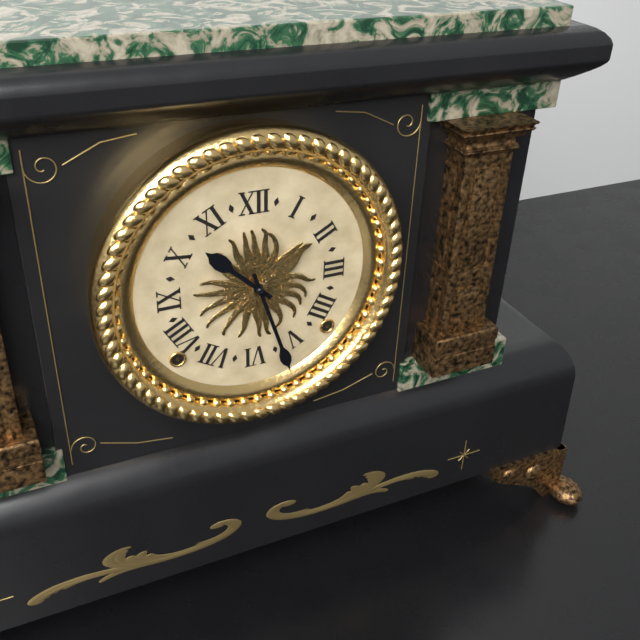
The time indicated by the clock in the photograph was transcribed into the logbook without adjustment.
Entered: 10:27
